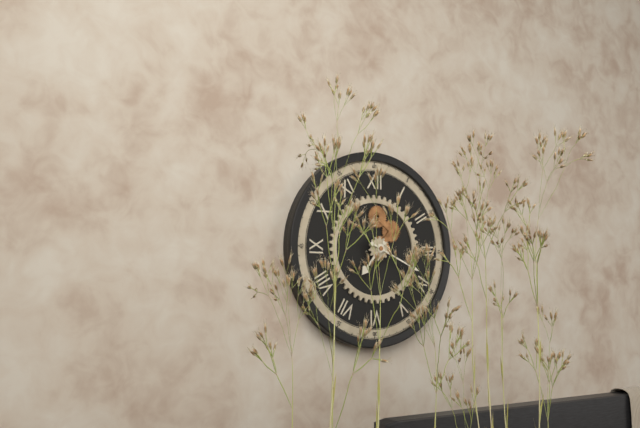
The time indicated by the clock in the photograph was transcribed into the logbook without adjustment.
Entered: 7:19
